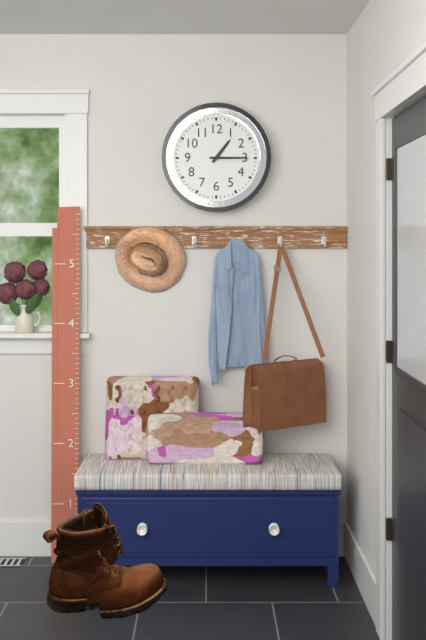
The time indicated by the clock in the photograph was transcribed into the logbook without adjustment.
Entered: 1:15
